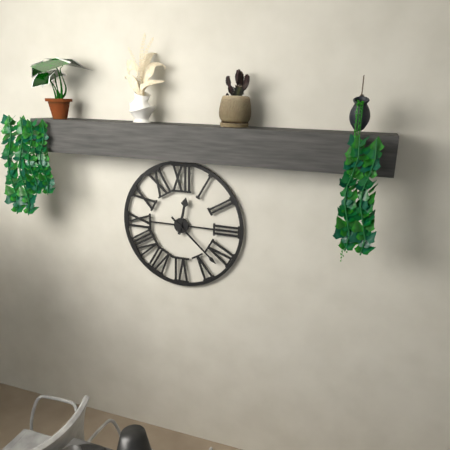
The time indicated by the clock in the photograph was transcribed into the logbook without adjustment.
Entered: 12:22
